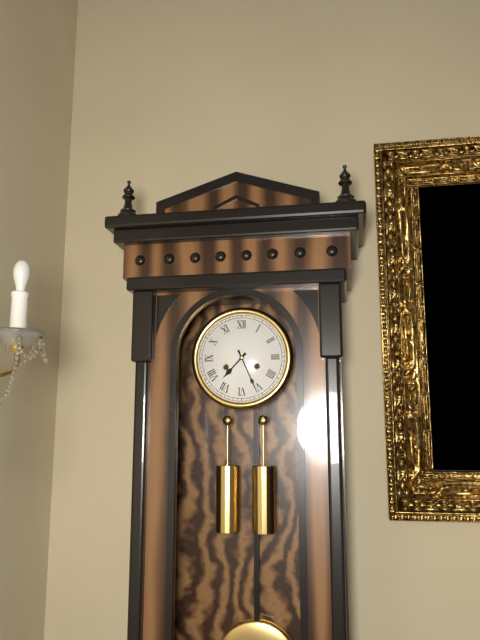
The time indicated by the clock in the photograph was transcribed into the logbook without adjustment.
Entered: 7:26
